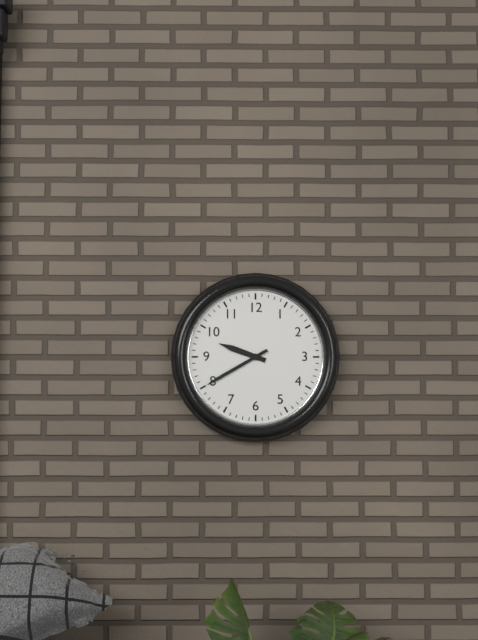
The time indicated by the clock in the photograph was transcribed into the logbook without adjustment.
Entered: 9:40
